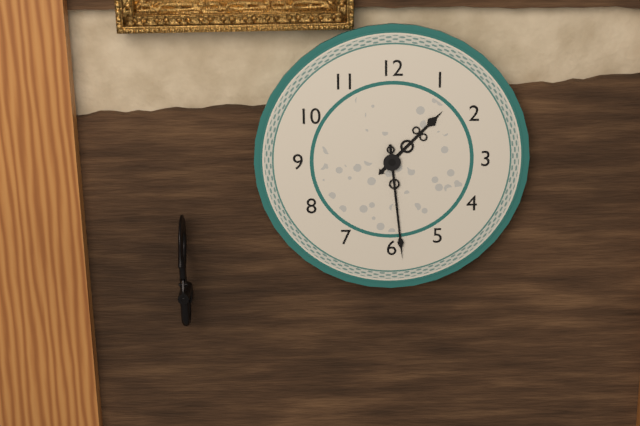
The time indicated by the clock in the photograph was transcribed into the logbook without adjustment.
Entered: 1:29
